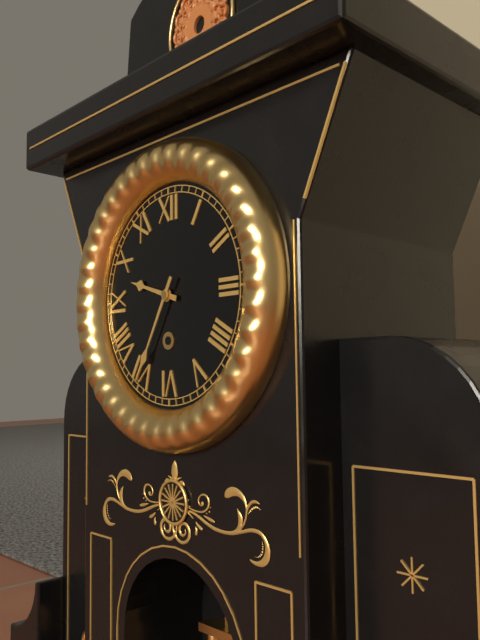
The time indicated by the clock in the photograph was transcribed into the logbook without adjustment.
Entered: 9:35
